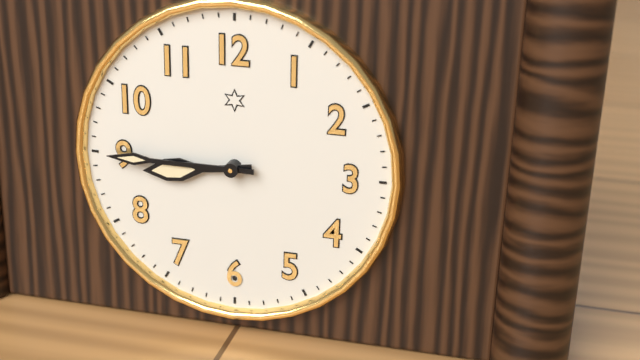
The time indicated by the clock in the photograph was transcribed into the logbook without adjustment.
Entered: 8:45
